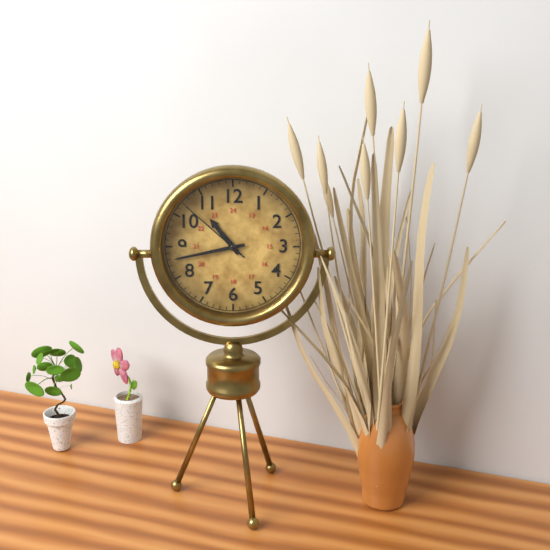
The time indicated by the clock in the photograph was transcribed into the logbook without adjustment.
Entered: 10:43:52
